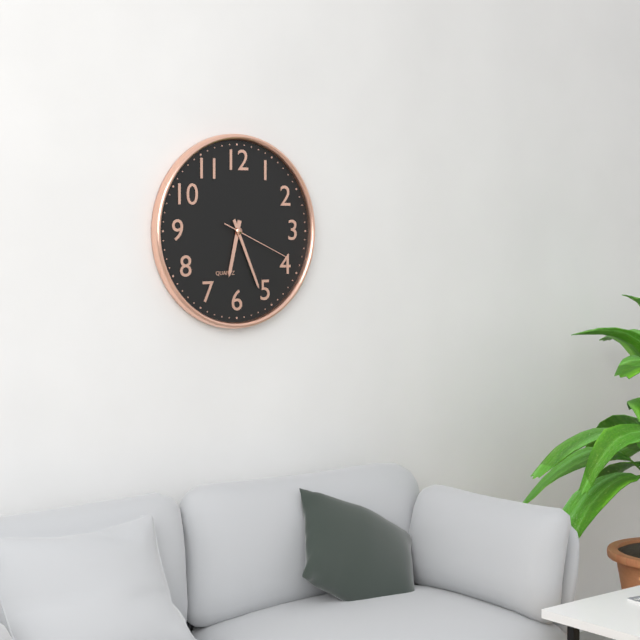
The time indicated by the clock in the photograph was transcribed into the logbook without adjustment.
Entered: 6:26:19
